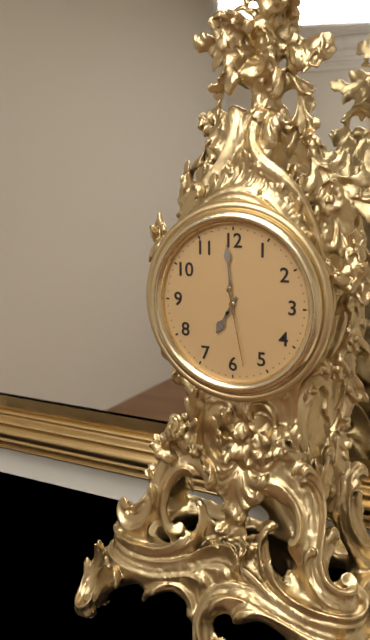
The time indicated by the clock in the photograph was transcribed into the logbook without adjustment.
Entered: 6:59:28
